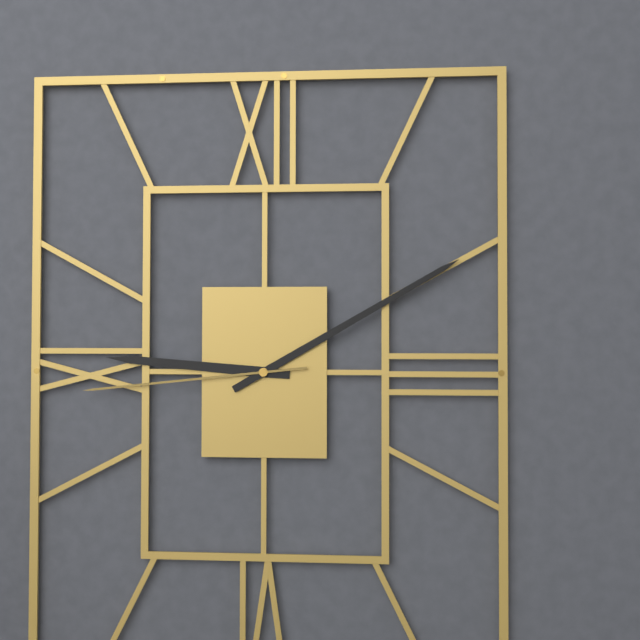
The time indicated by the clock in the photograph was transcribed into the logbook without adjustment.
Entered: 9:10:44
